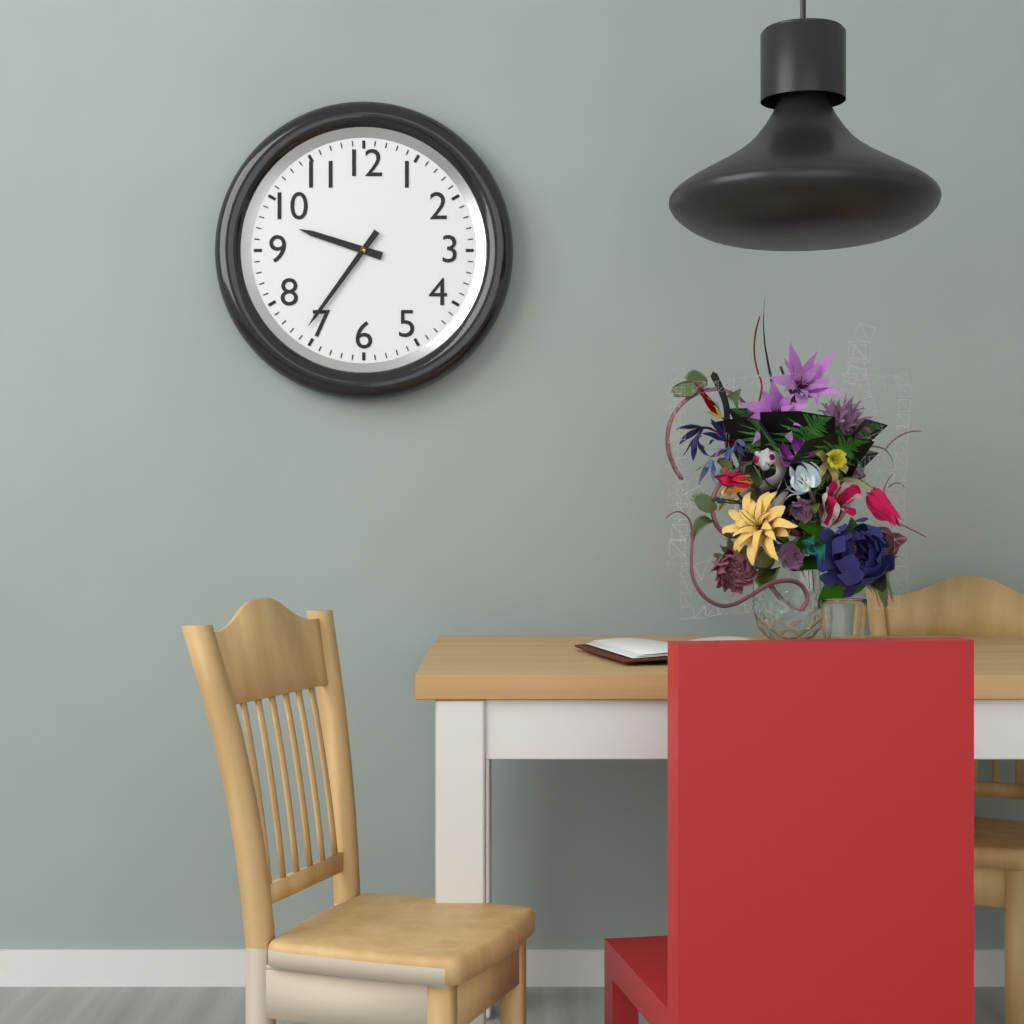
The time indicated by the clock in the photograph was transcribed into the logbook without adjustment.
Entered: 9:36
